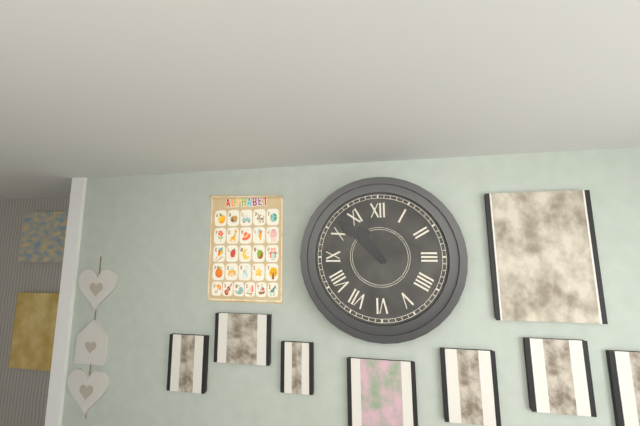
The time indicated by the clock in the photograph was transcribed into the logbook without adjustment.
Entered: 10:52
